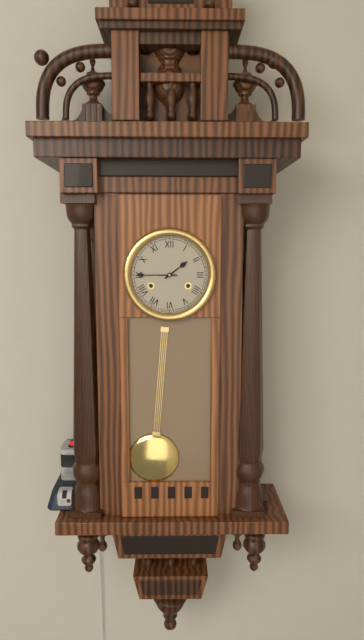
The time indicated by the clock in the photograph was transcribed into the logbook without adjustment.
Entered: 1:45
